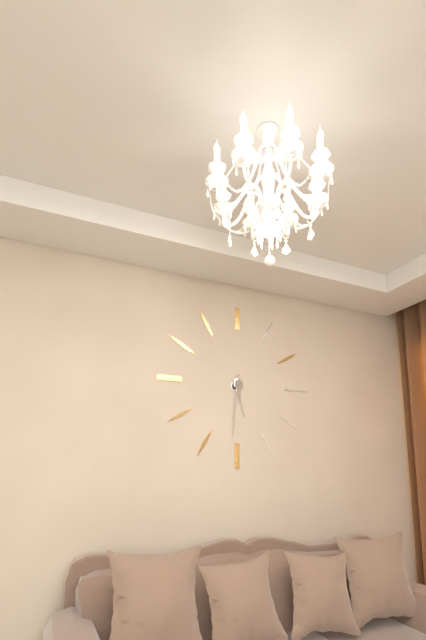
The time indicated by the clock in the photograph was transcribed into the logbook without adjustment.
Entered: 5:31
